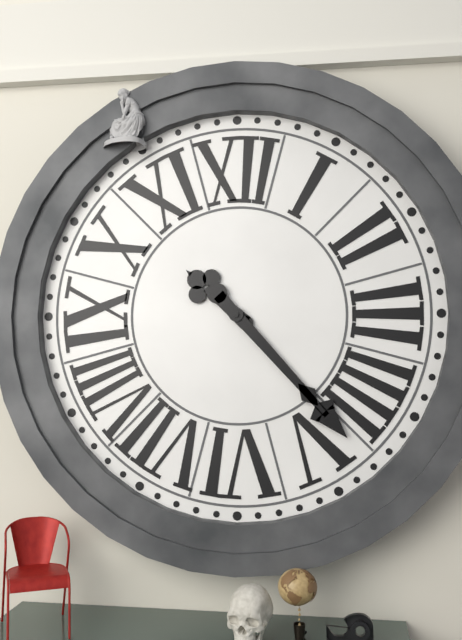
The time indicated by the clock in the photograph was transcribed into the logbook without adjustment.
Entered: 10:23
